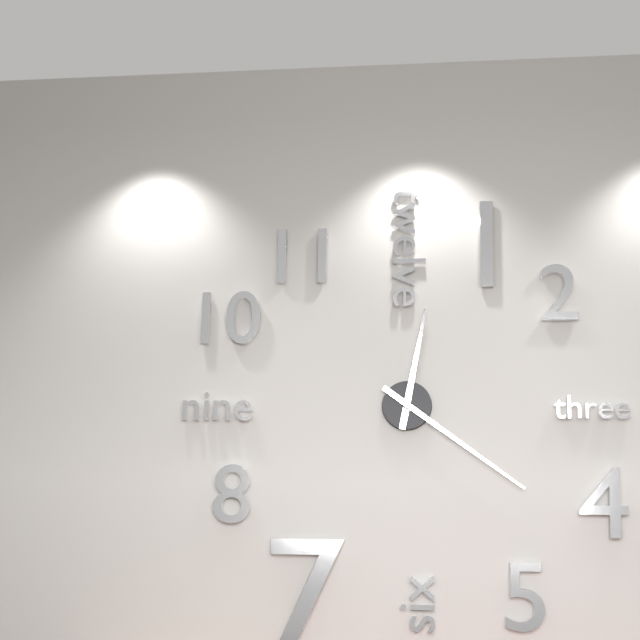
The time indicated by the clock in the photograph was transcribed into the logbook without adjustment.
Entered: 12:21
